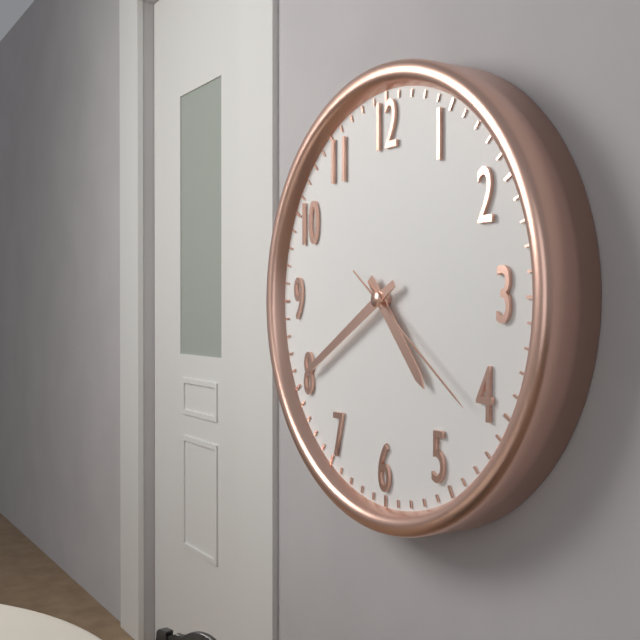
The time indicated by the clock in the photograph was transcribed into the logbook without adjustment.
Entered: 4:40:21
